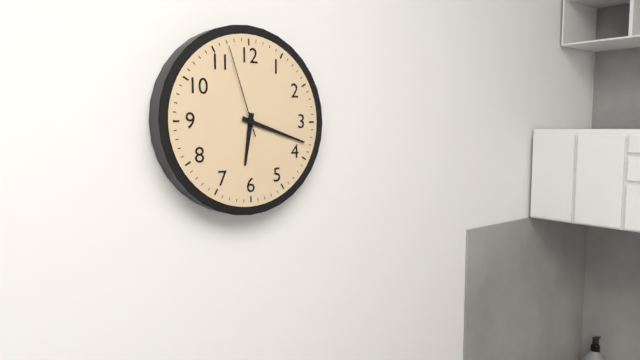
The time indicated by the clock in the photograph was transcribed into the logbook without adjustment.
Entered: 6:18:57
